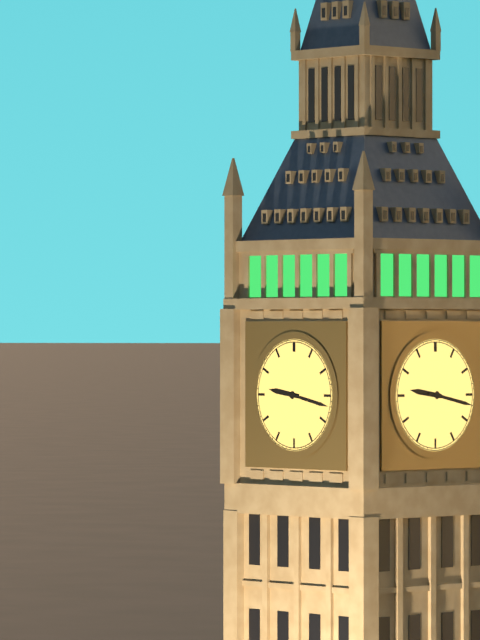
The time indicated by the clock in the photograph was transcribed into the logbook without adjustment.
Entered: 9:17
